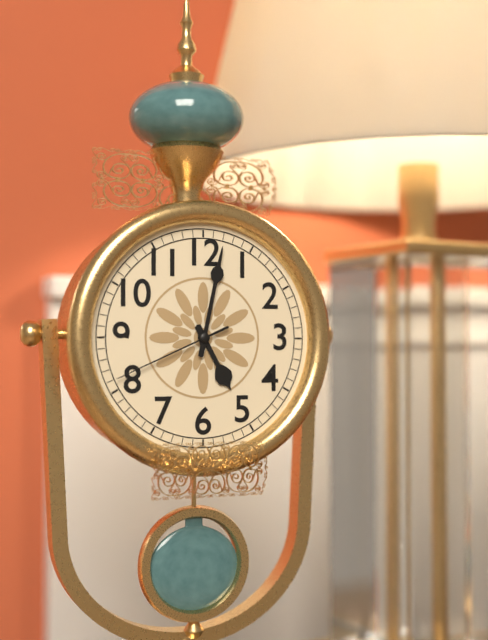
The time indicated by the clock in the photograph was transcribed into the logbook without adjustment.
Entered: 5:02:41
